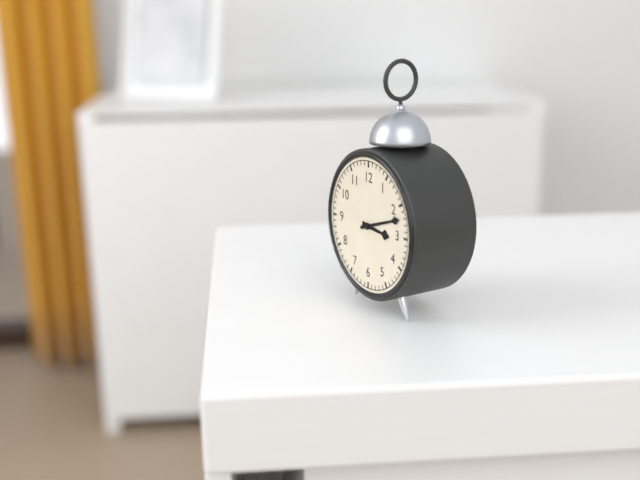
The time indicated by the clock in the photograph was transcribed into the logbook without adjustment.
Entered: 3:12
